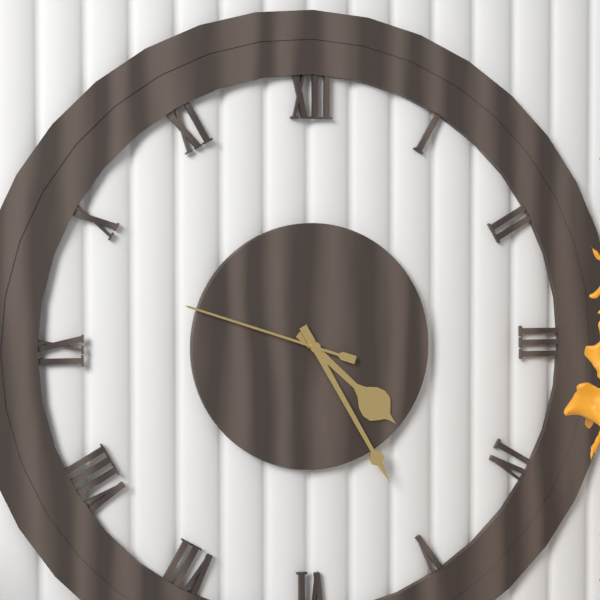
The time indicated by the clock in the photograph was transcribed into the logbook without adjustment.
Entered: 4:25:48
